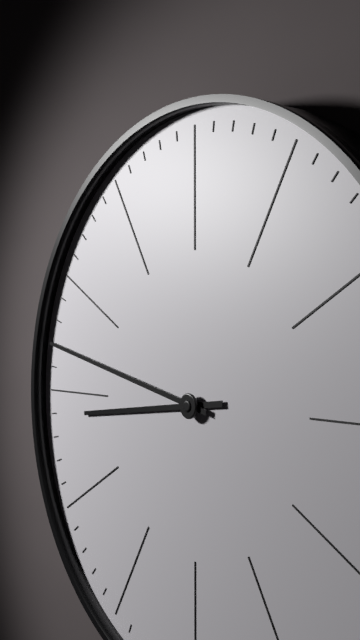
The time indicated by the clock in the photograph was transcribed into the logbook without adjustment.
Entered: 8:47
